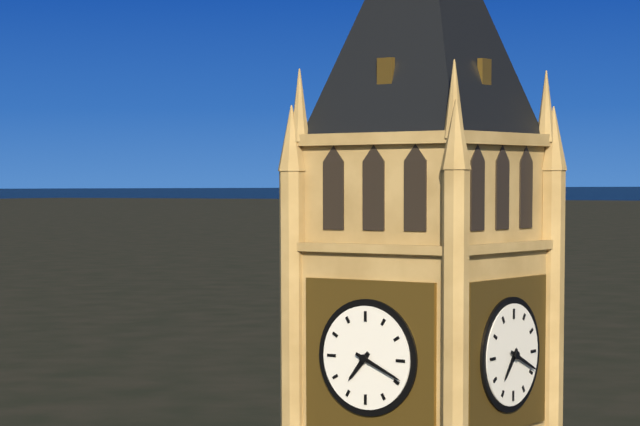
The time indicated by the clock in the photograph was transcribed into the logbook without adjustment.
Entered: 7:19
